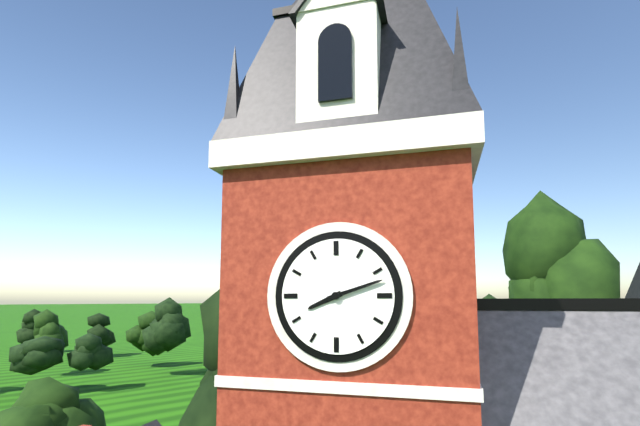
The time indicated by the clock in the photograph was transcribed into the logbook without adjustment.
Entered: 8:12
